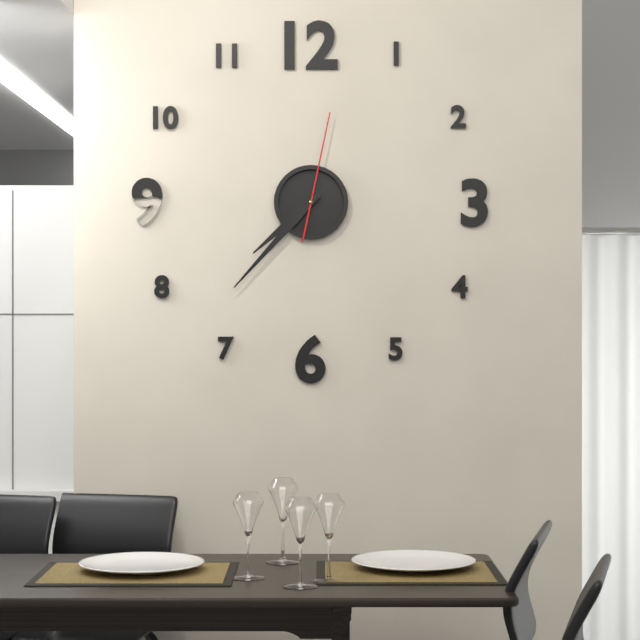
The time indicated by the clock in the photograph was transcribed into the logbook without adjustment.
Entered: 7:37:02
